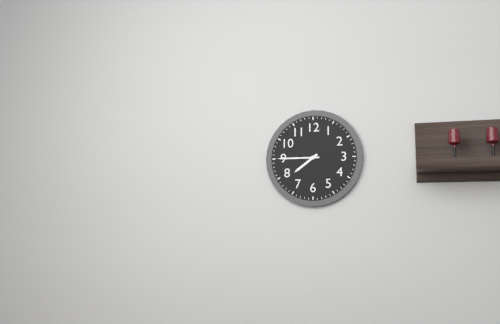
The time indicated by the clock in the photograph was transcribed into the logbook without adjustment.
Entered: 7:45
